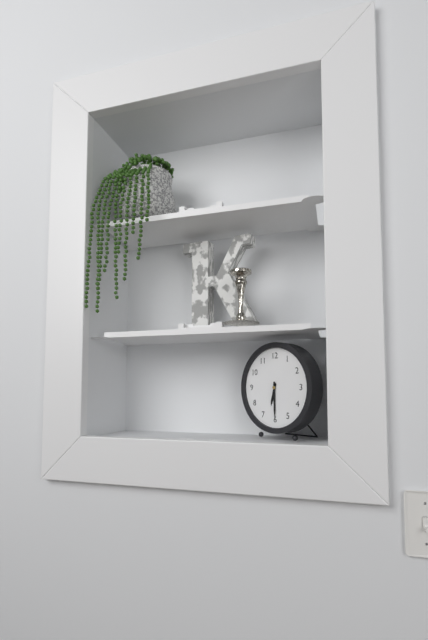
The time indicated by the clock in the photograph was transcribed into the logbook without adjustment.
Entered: 6:30
